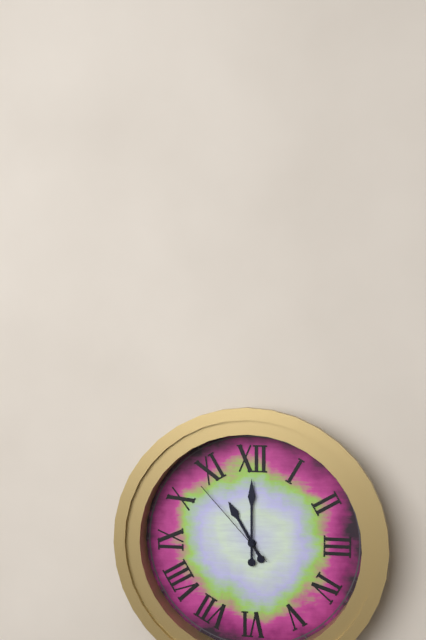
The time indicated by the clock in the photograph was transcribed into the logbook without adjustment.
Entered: 11:00:53
